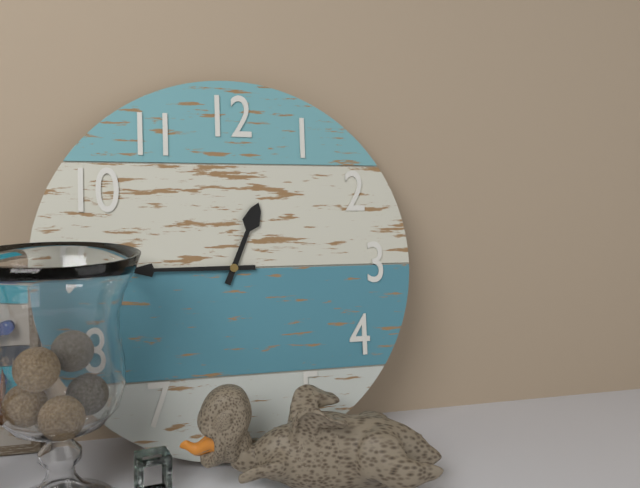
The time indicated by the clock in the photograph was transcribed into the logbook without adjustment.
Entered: 12:45
